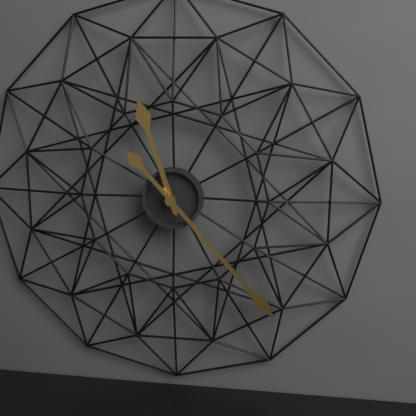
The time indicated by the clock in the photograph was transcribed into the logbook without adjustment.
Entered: 11:23
